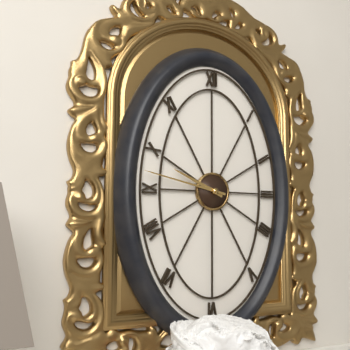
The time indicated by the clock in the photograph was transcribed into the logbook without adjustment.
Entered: 9:47
